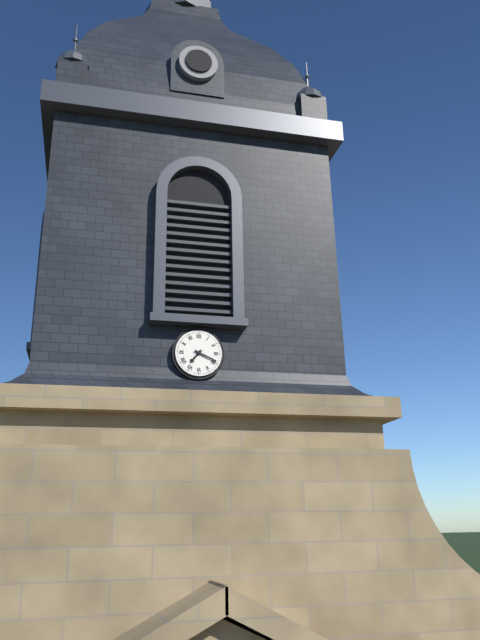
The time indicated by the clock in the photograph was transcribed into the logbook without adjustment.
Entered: 7:19
